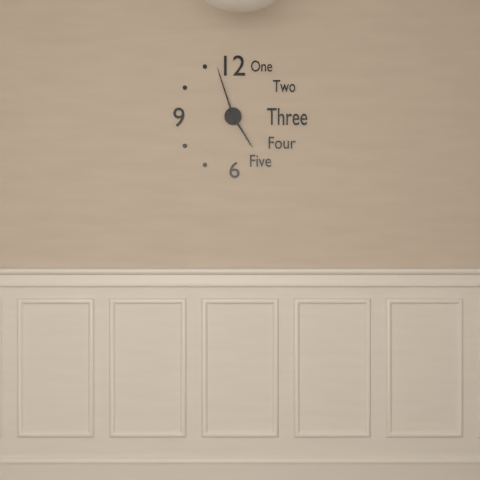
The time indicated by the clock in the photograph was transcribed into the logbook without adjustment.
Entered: 4:57
